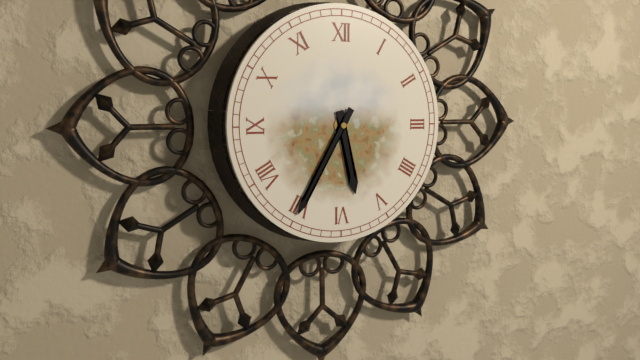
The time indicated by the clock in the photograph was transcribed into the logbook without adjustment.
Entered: 5:35
